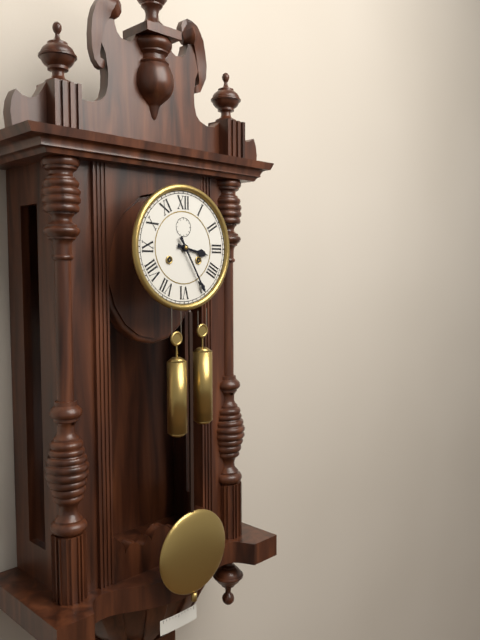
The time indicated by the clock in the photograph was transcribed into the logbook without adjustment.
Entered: 3:25
